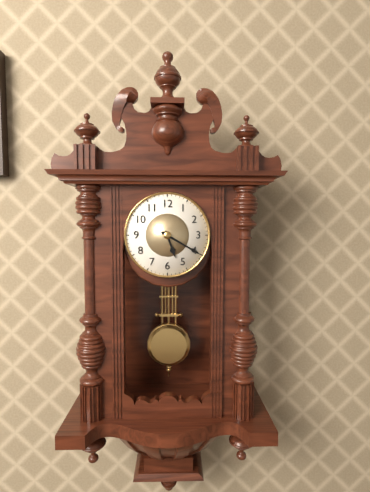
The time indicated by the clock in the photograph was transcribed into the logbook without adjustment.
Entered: 5:20
